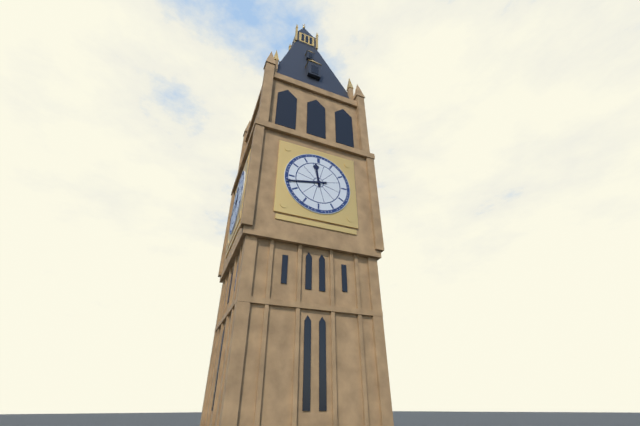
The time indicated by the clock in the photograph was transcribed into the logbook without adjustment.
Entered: 11:43
